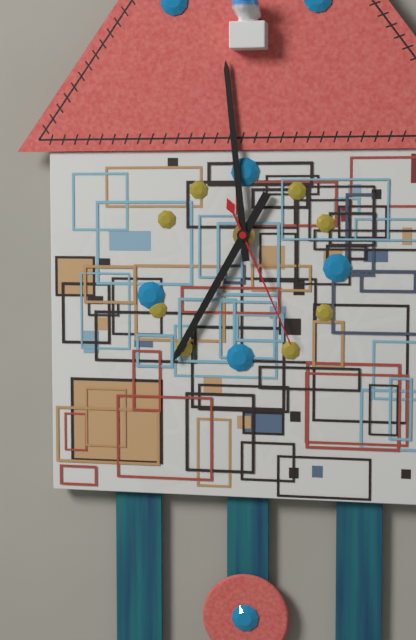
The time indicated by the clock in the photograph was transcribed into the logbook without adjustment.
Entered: 6:59:26
